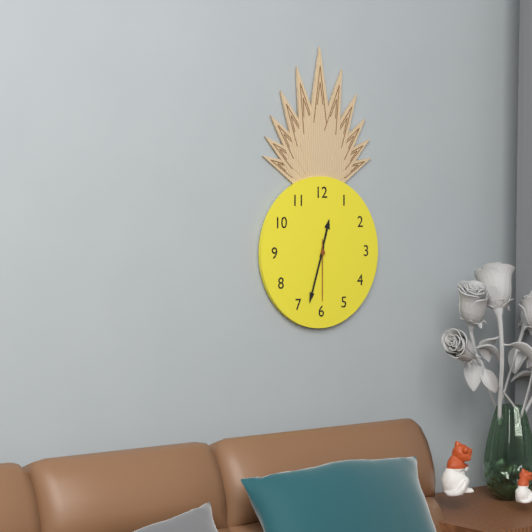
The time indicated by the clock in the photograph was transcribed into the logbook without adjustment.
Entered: 12:33:30
